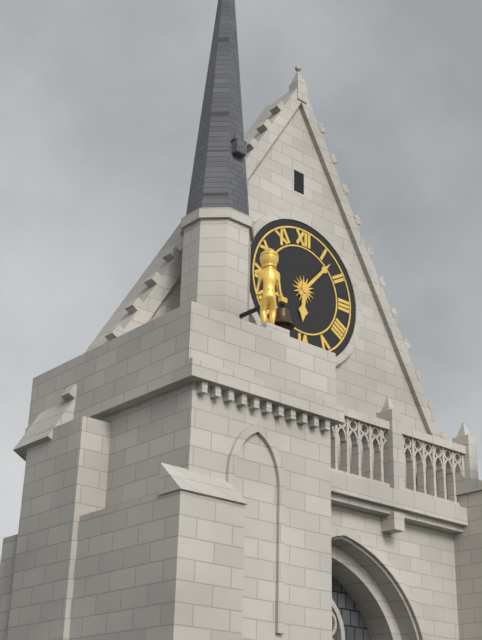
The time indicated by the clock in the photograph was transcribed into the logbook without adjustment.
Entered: 6:07
